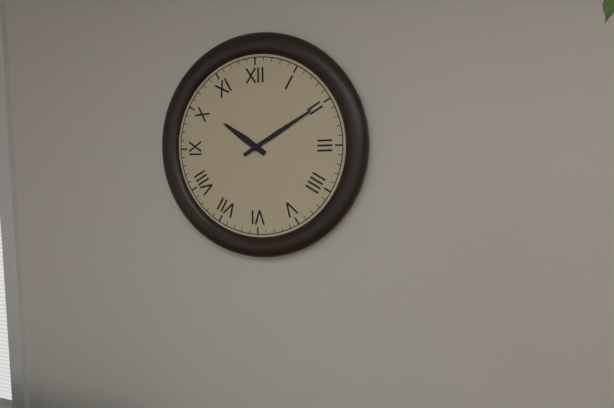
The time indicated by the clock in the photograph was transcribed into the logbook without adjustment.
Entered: 10:10
